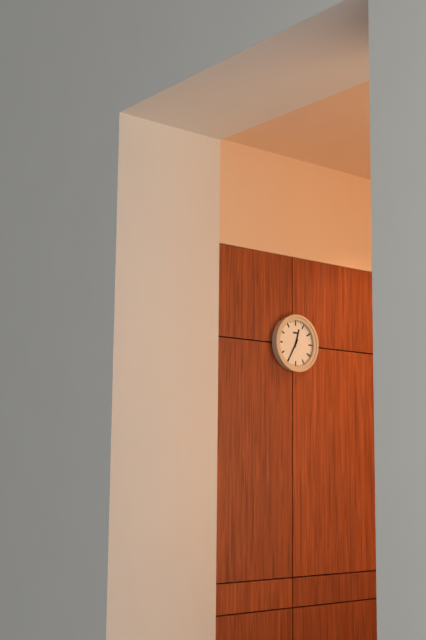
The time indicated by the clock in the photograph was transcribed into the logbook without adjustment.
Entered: 12:35
